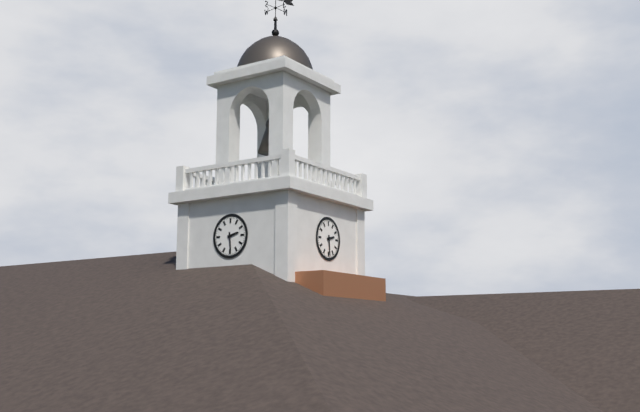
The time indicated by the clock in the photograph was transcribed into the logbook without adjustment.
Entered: 2:29
